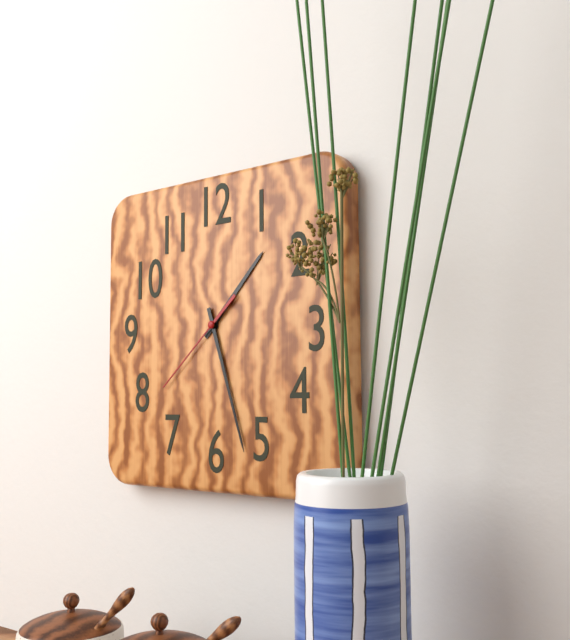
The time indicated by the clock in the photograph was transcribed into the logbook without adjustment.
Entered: 1:27:38
